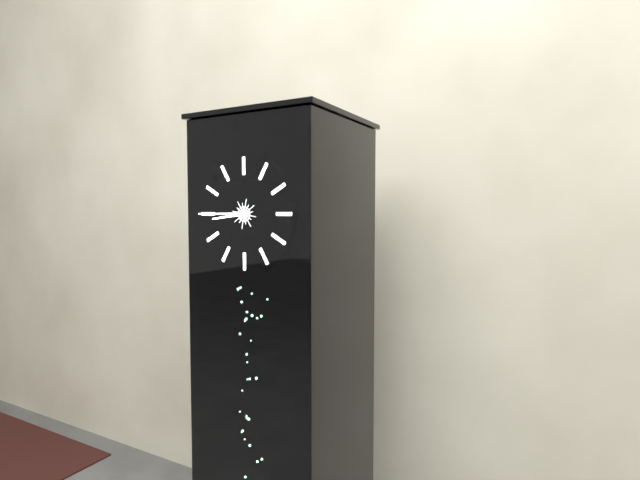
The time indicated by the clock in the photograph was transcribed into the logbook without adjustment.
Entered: 8:45
